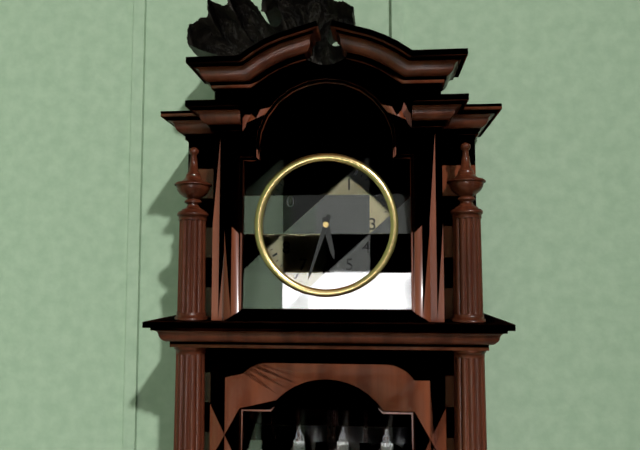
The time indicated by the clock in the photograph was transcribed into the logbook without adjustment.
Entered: 5:33
